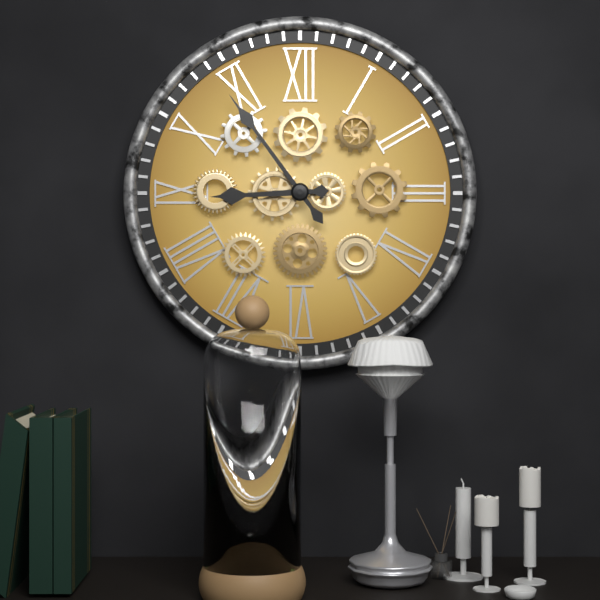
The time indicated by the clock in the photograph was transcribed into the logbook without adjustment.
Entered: 8:54
